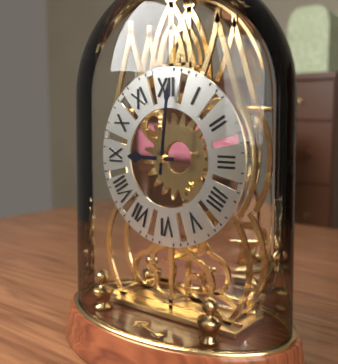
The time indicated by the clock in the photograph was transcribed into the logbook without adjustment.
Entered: 9:01
